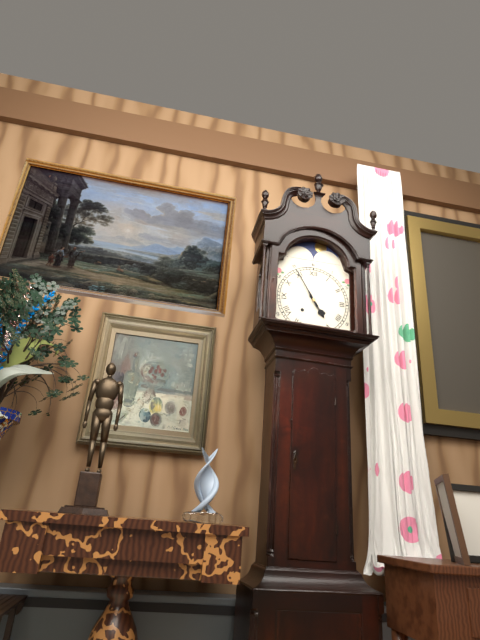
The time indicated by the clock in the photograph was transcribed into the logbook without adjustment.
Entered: 4:55
